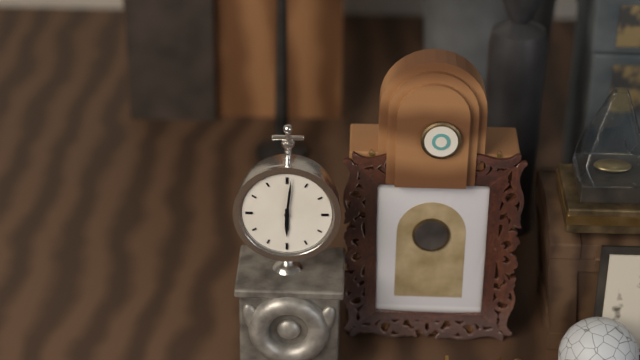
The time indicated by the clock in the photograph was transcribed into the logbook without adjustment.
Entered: 6:01
